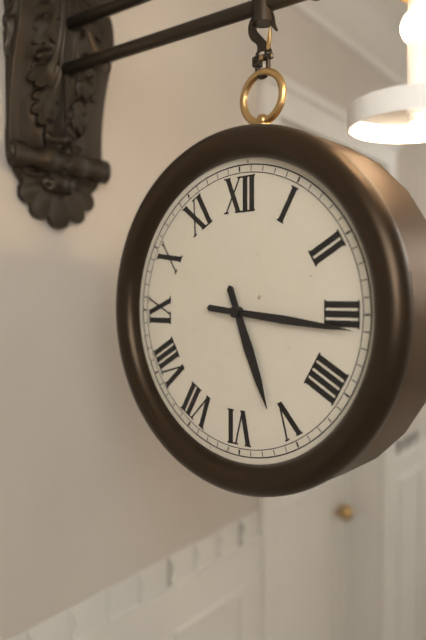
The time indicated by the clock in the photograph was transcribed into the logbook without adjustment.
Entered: 5:16
